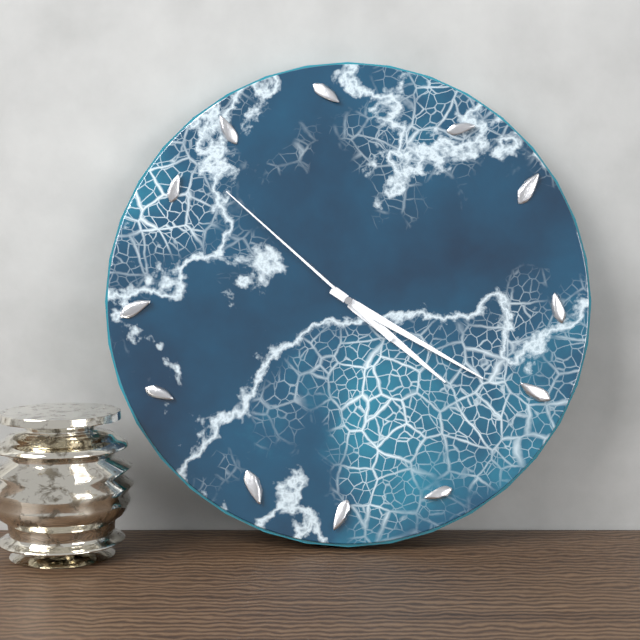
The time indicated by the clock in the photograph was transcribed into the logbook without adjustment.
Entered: 4:20:52
